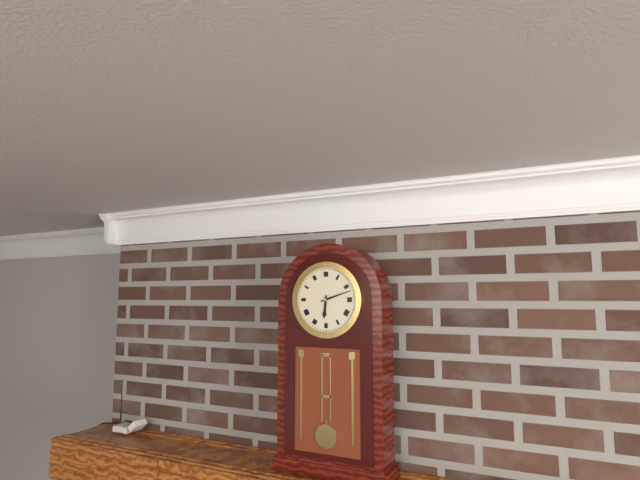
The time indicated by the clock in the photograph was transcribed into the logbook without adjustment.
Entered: 6:12
